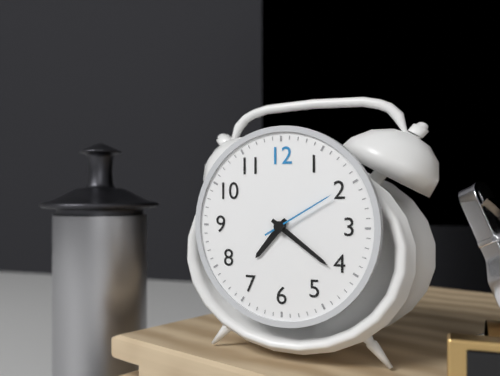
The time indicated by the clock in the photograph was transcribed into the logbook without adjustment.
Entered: 7:21:10
